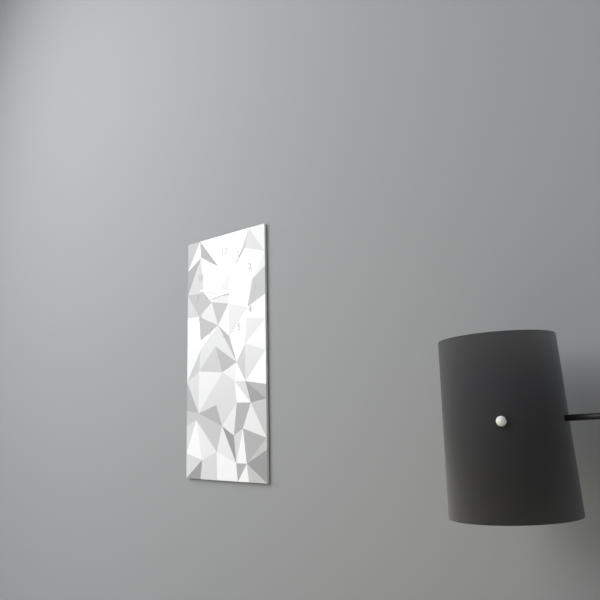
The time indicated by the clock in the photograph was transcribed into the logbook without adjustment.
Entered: 8:47
